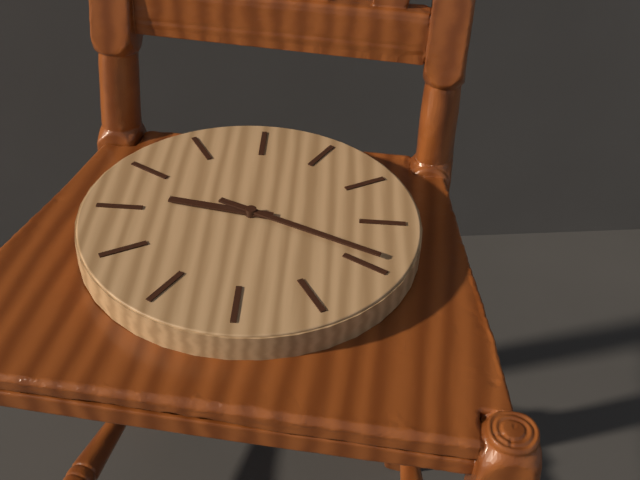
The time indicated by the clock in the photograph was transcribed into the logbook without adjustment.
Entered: 9:19
